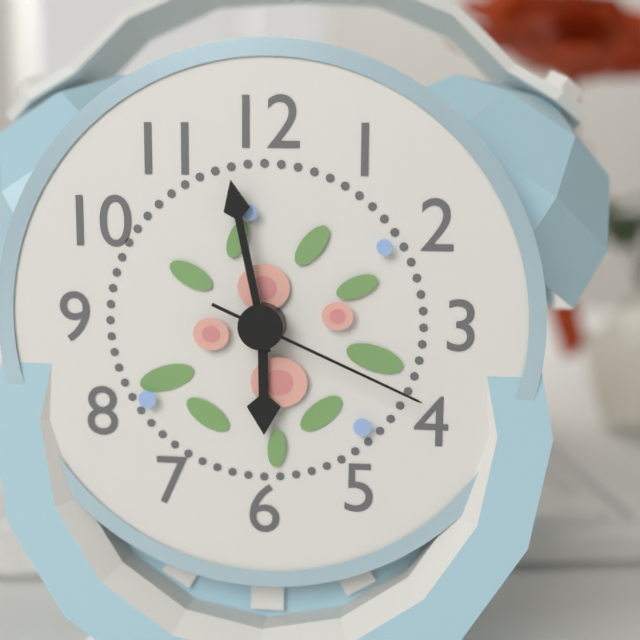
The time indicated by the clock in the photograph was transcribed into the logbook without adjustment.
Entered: 5:58:19
